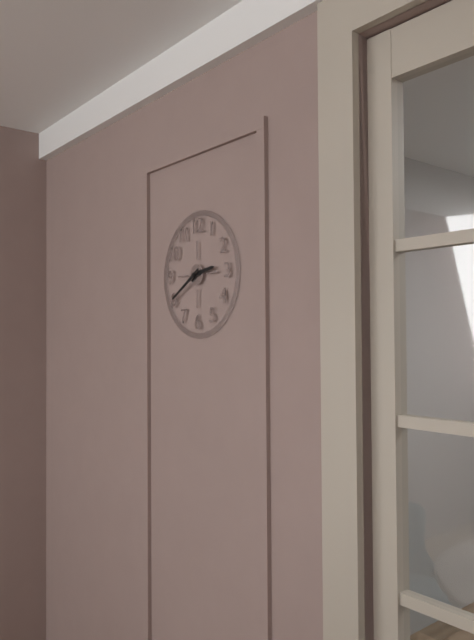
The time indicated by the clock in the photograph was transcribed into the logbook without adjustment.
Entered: 2:40
